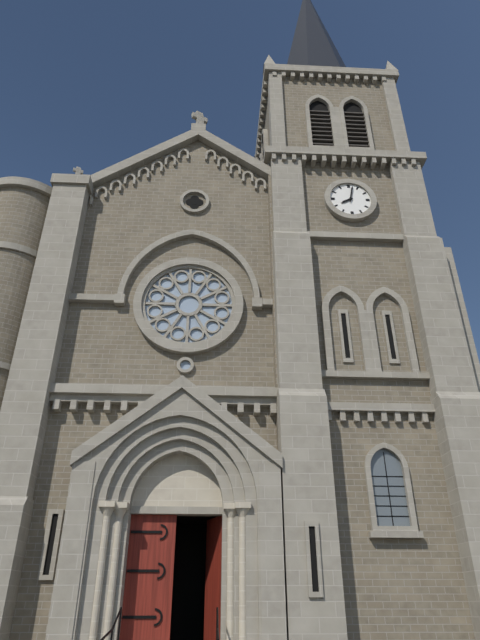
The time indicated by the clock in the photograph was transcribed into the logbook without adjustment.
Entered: 8:02
